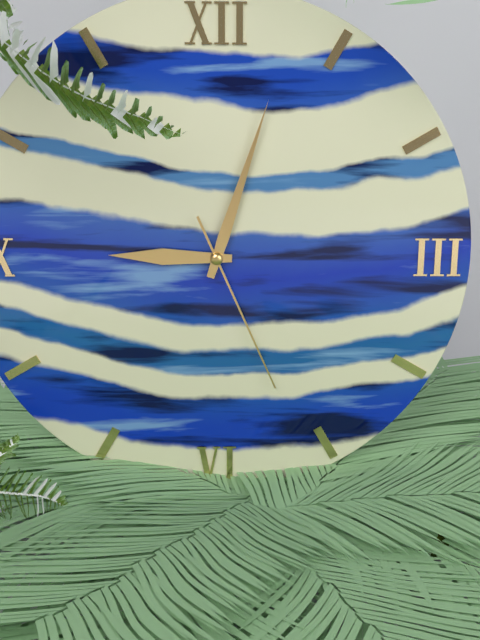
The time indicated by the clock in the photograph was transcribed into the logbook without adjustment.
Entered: 9:03:26
